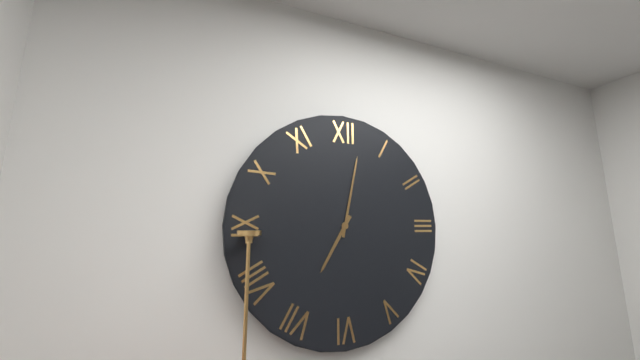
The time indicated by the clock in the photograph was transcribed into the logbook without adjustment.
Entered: 7:02
